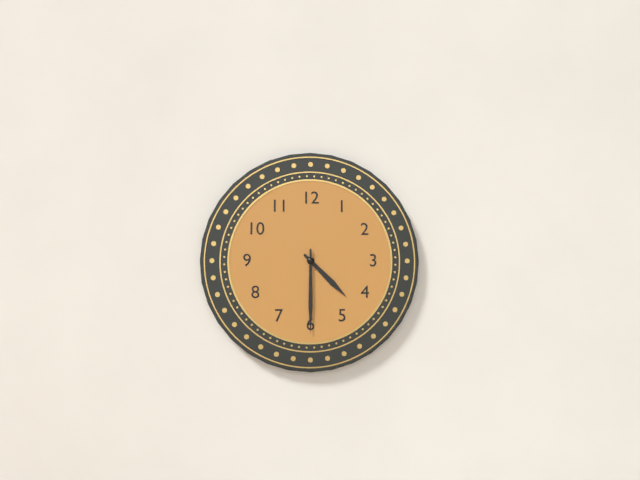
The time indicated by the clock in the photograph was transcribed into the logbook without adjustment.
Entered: 4:30
